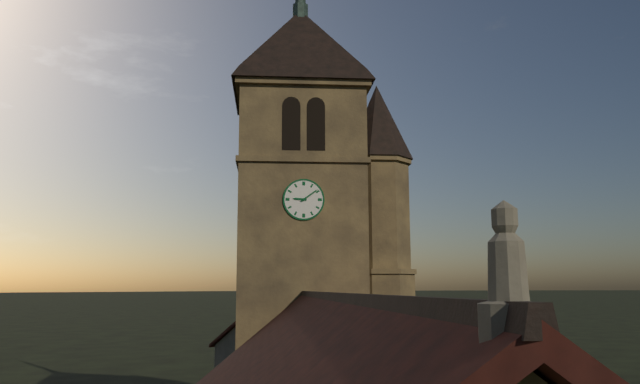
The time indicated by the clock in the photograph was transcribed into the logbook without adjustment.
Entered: 9:09
